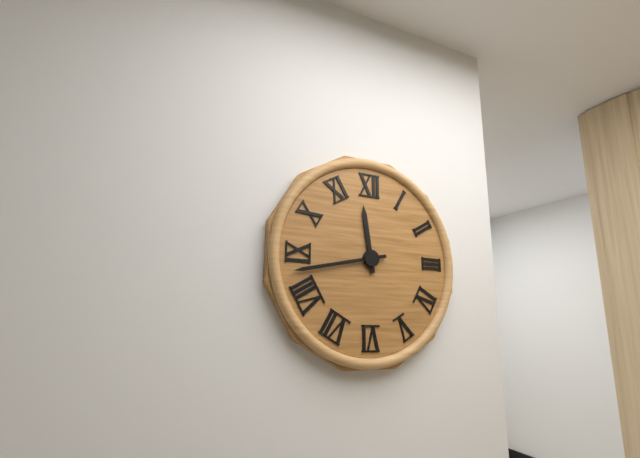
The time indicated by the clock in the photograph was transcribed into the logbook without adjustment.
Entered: 11:43
